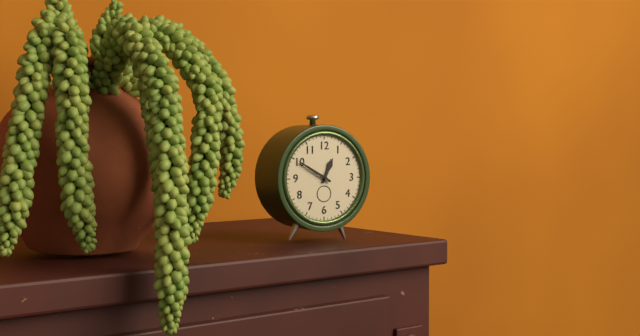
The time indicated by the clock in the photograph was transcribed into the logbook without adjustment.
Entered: 12:50
